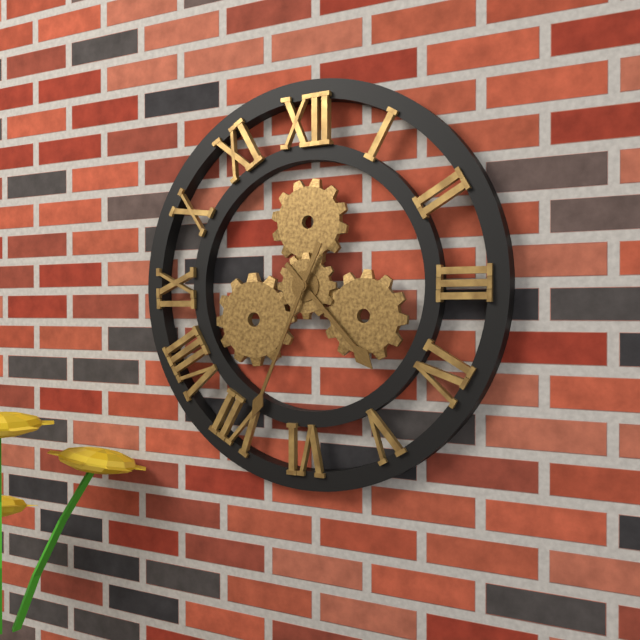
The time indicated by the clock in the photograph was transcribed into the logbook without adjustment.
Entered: 4:34
